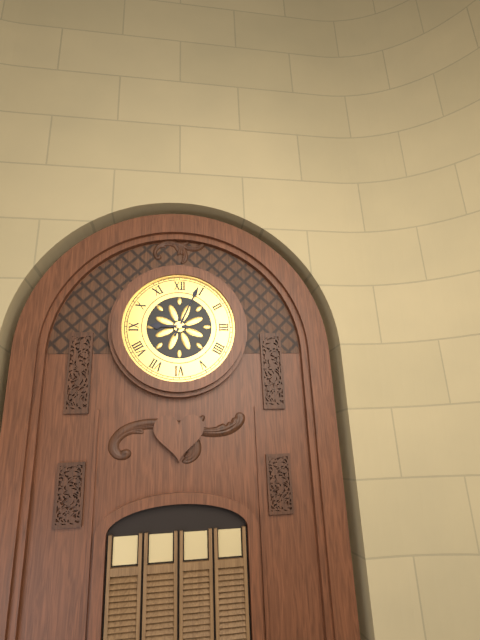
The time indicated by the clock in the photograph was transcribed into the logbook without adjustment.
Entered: 9:04
